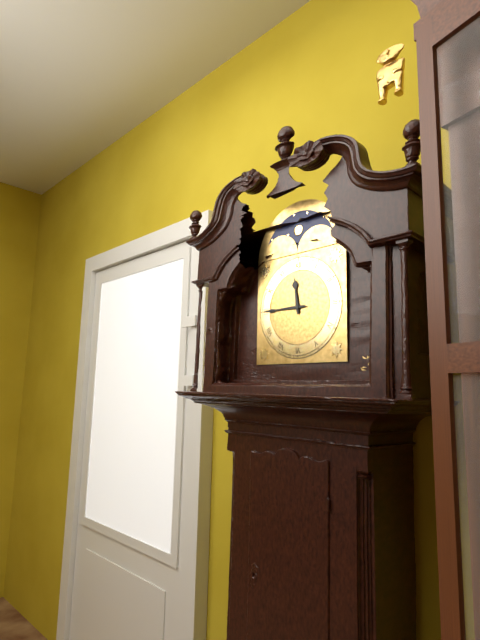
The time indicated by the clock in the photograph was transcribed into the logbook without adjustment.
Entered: 11:45
